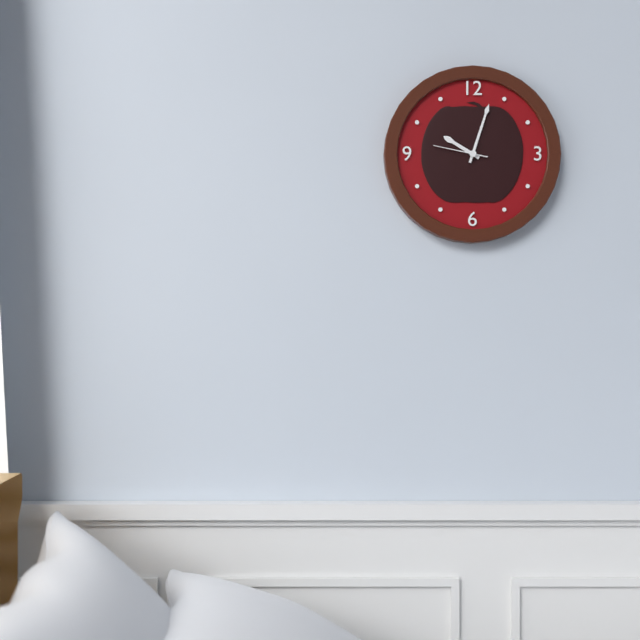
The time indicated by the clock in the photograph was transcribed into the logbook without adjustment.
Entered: 10:03:47
